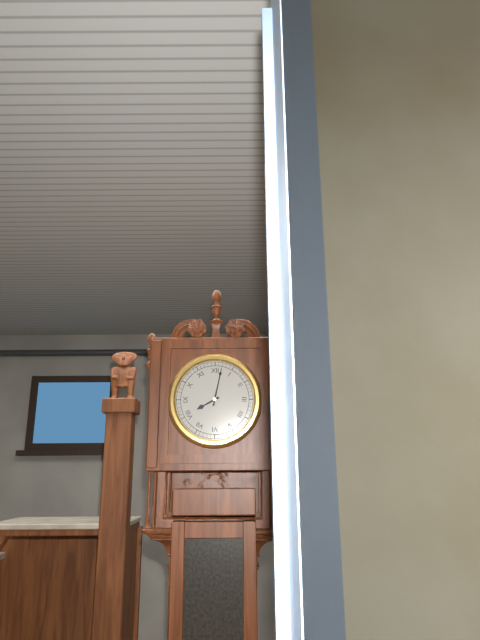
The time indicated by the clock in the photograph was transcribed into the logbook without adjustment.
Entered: 8:02
